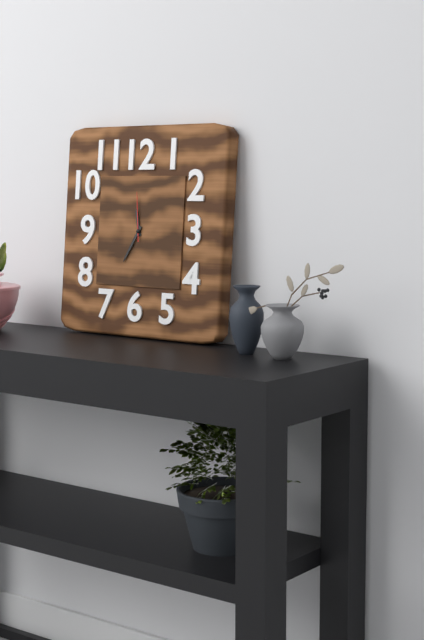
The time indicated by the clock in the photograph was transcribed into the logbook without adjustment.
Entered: 11:35
